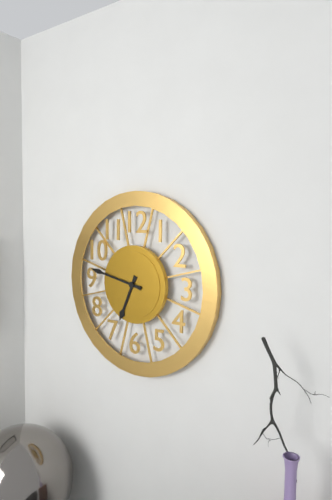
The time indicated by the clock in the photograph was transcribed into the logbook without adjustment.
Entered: 6:47
